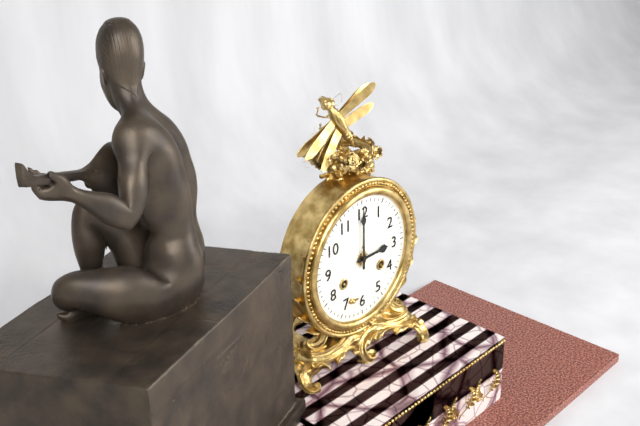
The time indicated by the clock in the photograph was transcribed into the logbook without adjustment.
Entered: 3:00
